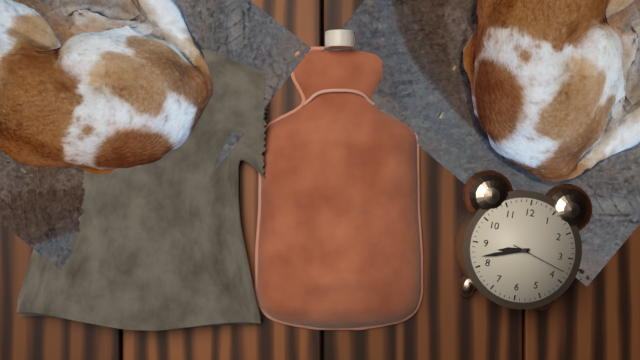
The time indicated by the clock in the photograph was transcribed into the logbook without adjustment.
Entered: 8:42:18
